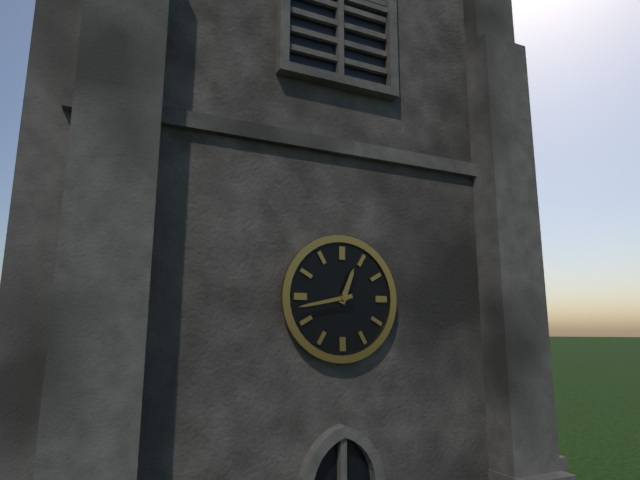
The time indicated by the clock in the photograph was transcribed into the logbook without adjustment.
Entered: 12:43
